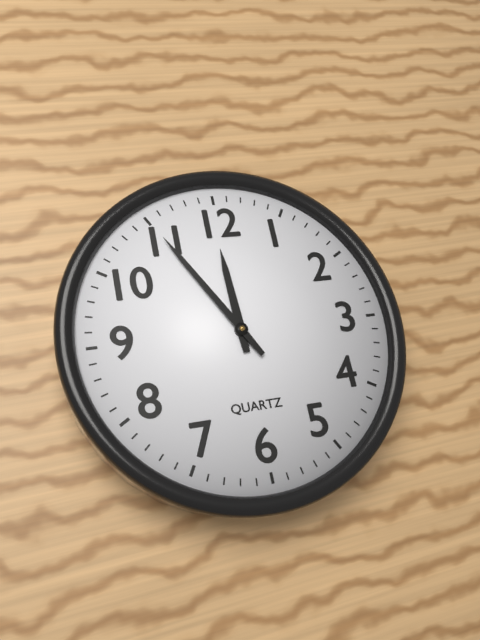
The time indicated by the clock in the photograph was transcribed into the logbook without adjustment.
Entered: 11:55
